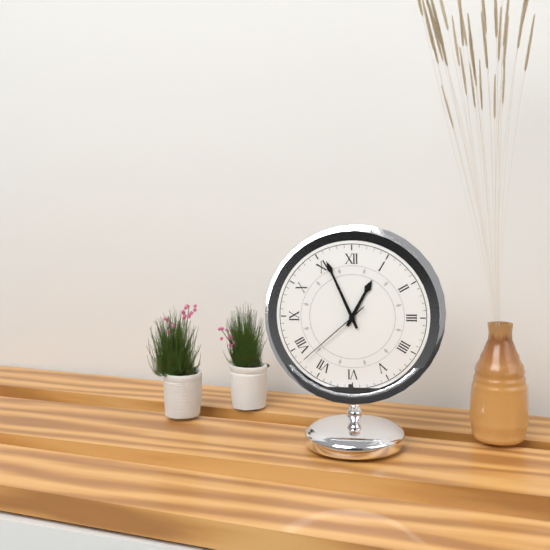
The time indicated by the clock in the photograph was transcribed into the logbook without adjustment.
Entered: 12:56:38
